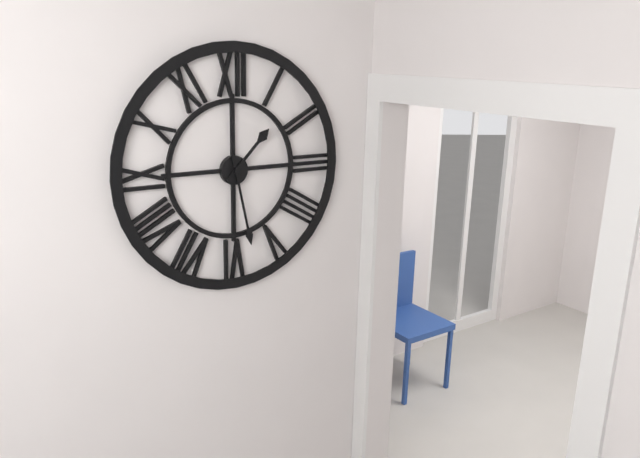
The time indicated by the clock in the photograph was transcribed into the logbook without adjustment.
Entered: 1:28
